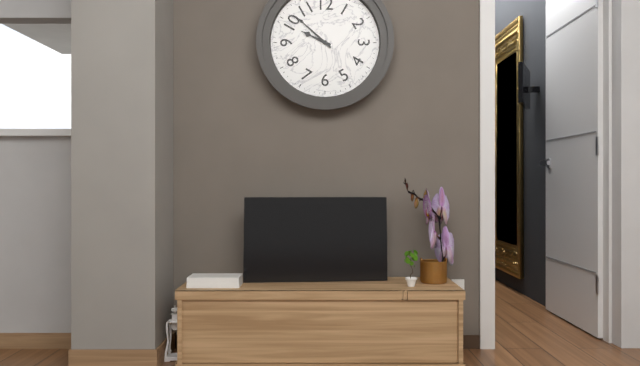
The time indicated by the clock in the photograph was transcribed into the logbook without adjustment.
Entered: 9:52
